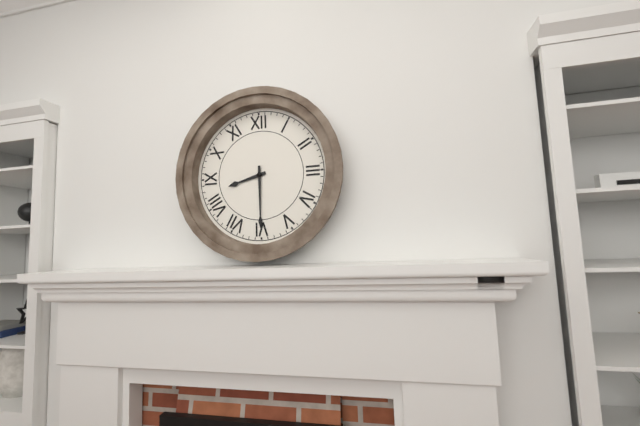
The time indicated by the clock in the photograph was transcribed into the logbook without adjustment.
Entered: 8:30
